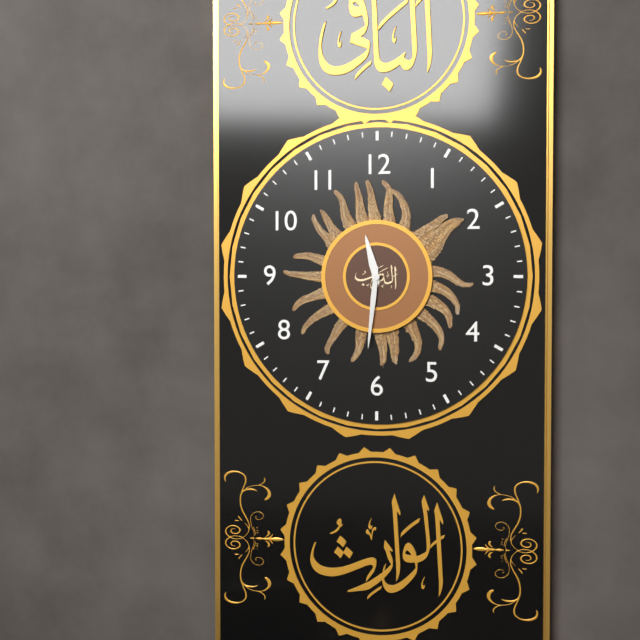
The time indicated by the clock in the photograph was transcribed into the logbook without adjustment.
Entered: 11:31
